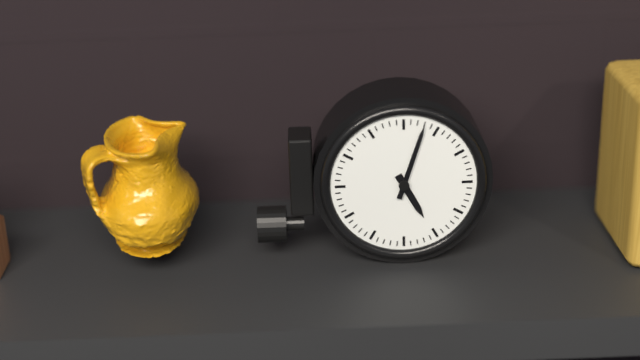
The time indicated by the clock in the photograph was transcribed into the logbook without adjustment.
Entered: 5:03
